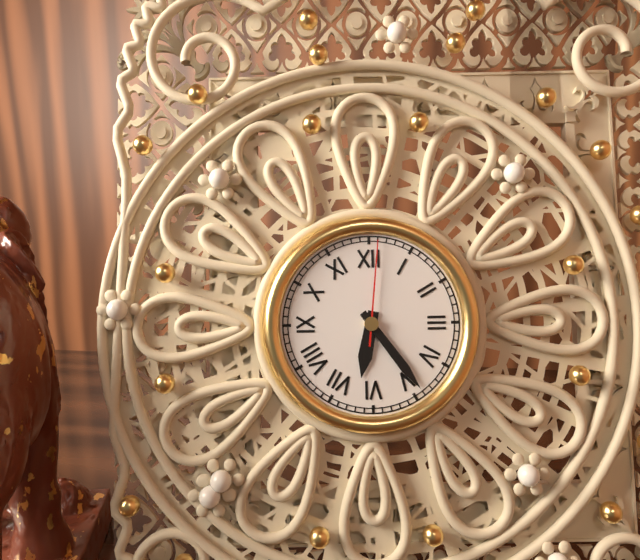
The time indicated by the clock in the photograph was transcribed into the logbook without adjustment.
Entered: 6:24:01
